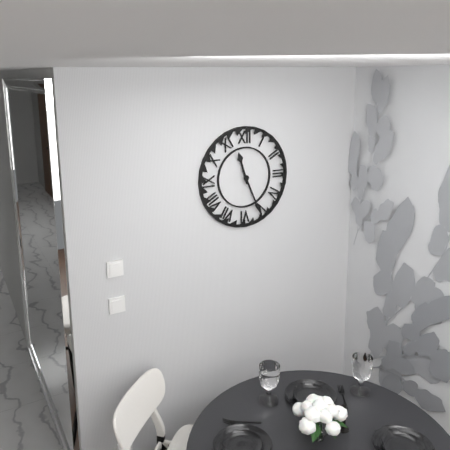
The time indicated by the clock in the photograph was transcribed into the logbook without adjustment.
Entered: 11:26
